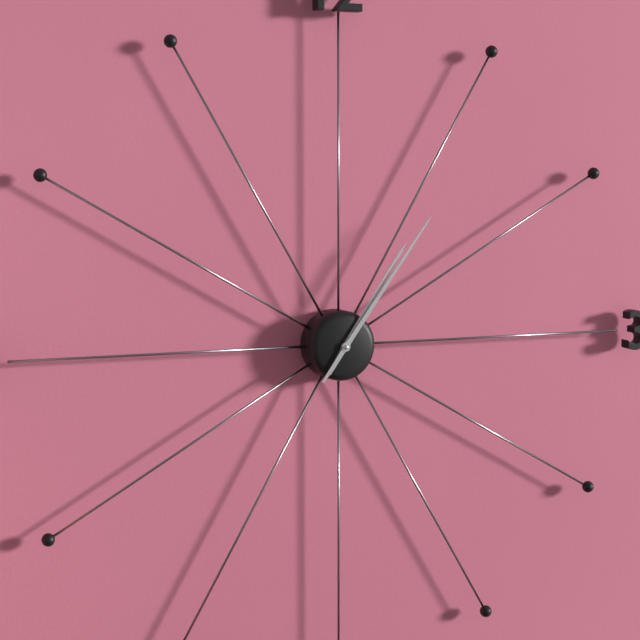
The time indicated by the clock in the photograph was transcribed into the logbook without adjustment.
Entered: 1:06
